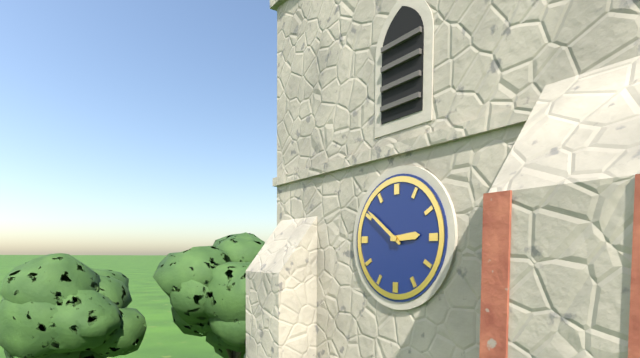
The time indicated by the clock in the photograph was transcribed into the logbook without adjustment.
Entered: 2:51
